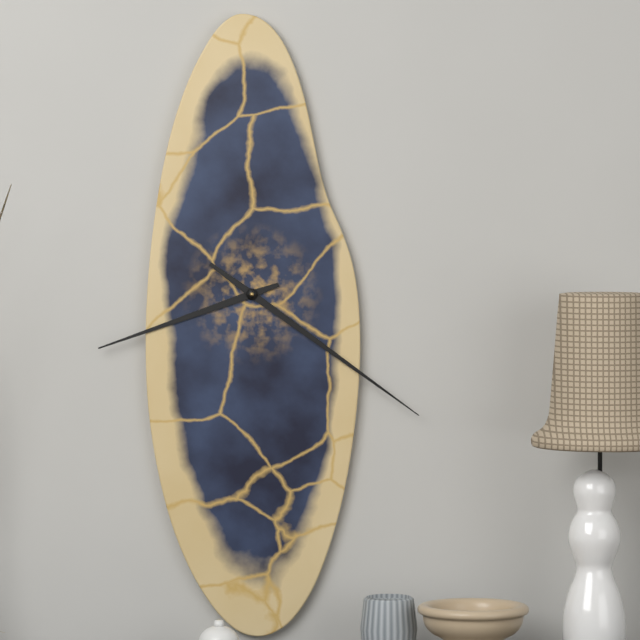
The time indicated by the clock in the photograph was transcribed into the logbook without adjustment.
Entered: 8:21
